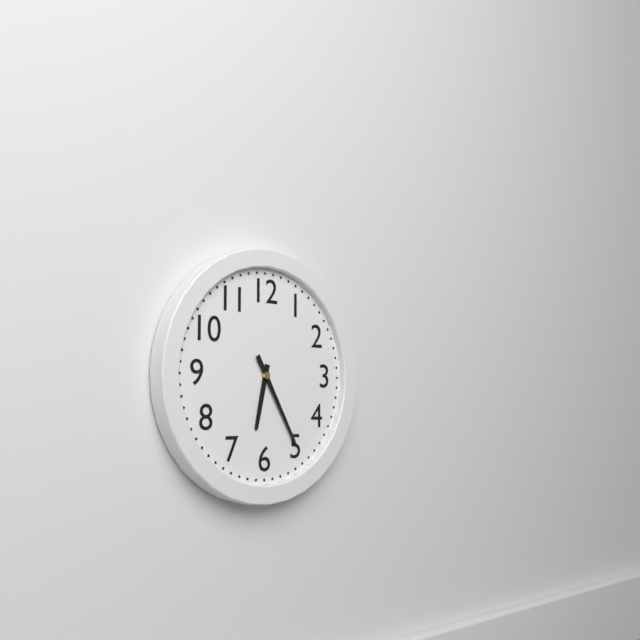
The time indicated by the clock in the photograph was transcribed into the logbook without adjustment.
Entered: 6:25
